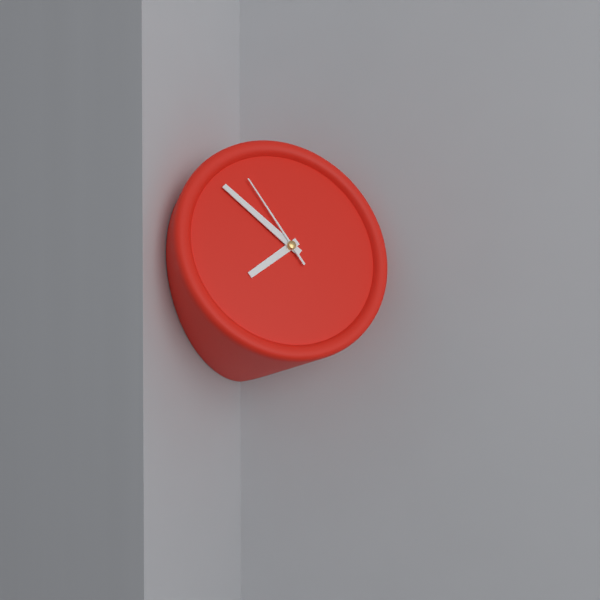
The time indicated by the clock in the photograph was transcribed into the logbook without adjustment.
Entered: 7:52:55
